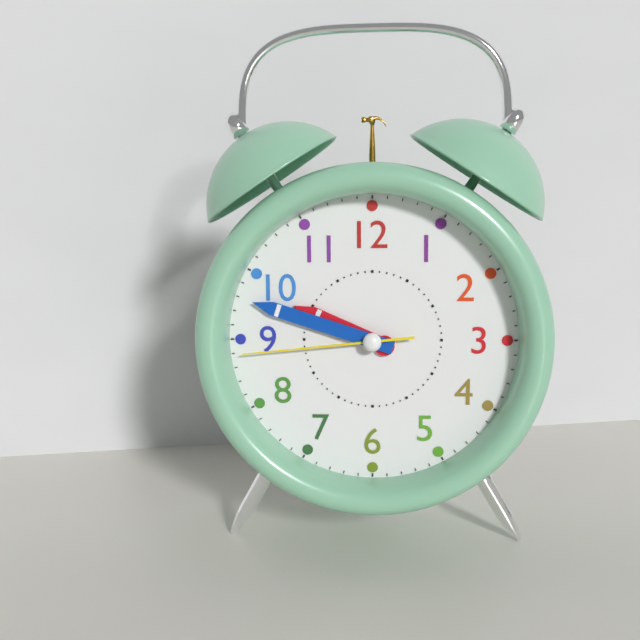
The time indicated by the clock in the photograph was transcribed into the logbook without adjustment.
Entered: 9:48:44
